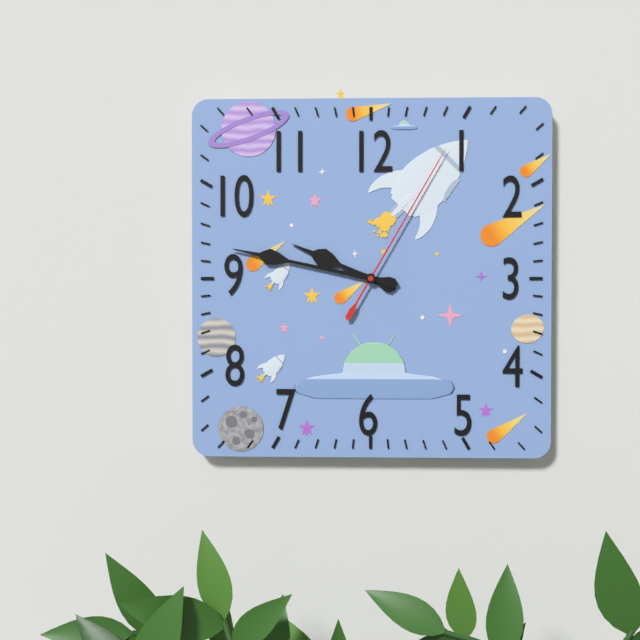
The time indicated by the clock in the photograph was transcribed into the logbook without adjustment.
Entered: 9:47:05
